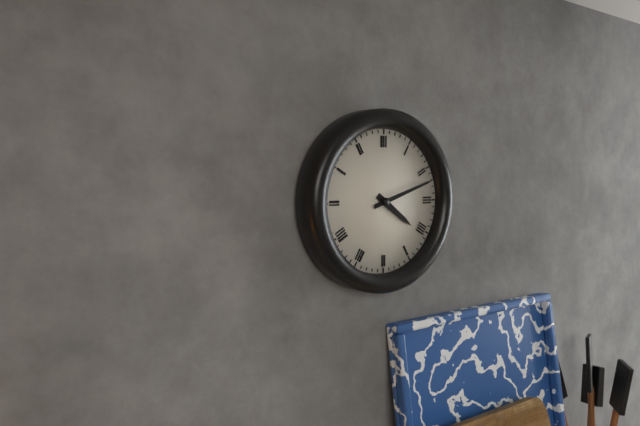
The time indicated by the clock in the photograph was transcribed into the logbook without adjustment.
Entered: 4:12
